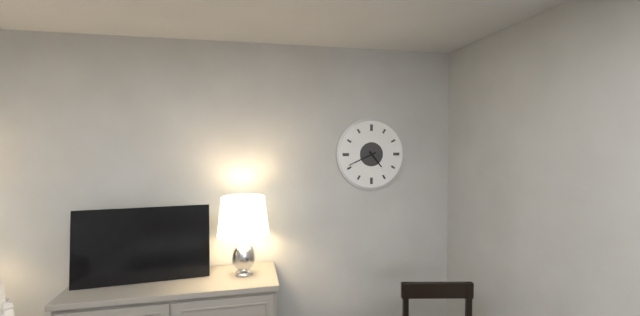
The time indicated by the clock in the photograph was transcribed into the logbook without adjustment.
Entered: 4:41
